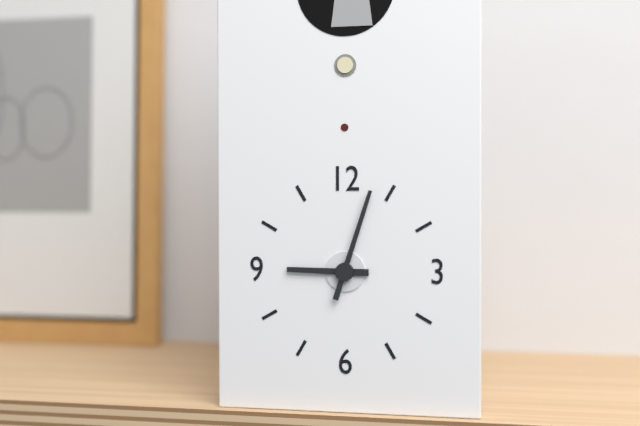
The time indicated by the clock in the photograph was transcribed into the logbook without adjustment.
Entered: 9:03
